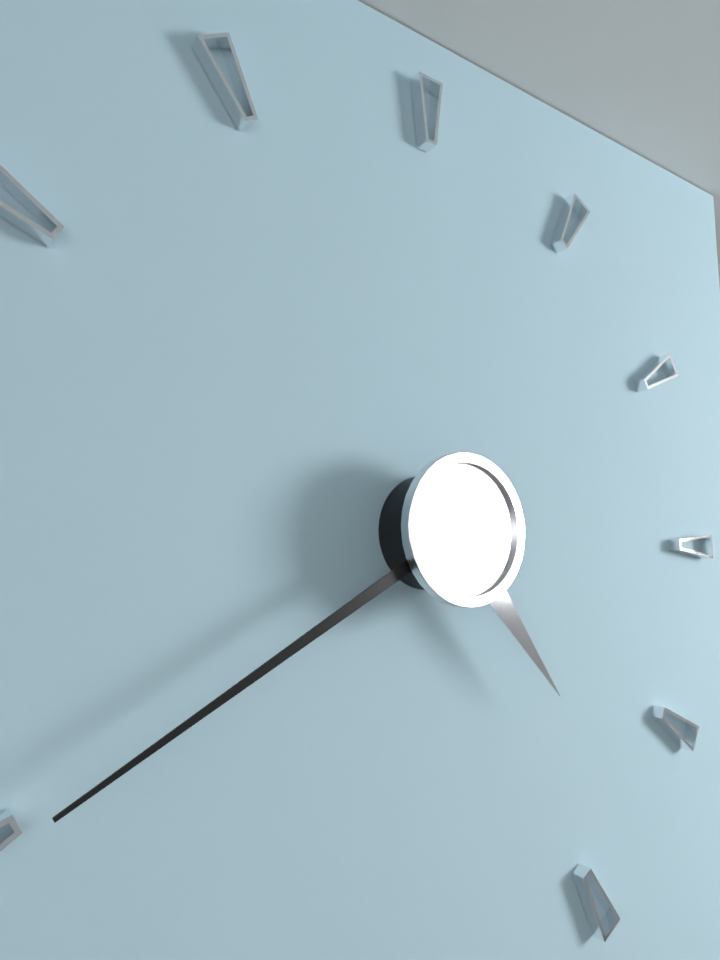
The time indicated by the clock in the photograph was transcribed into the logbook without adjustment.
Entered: 4:40
